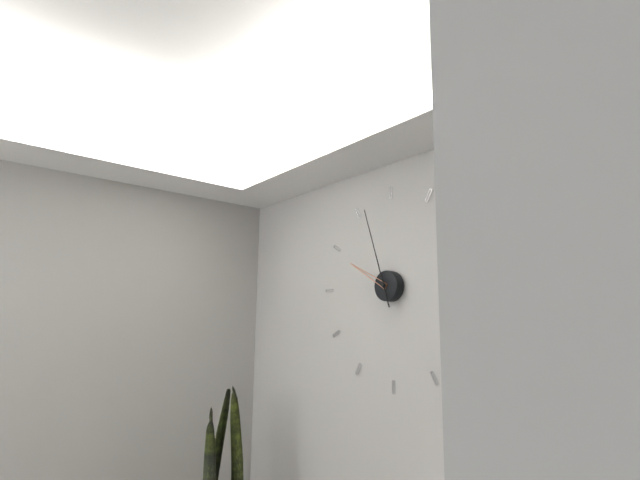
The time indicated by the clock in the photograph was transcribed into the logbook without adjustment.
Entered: 9:57
